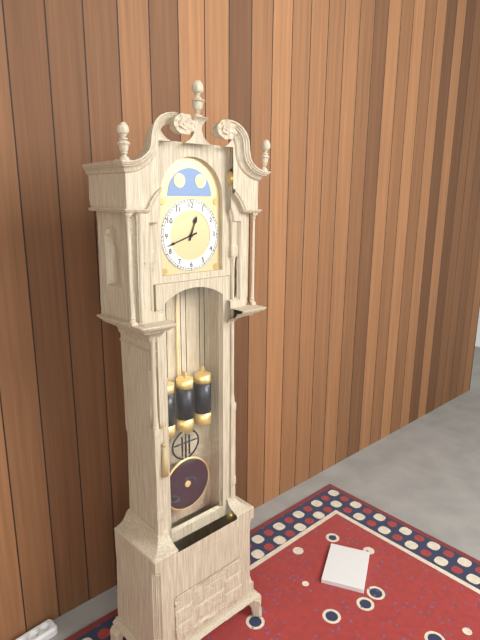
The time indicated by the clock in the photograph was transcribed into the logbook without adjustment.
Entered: 12:42
